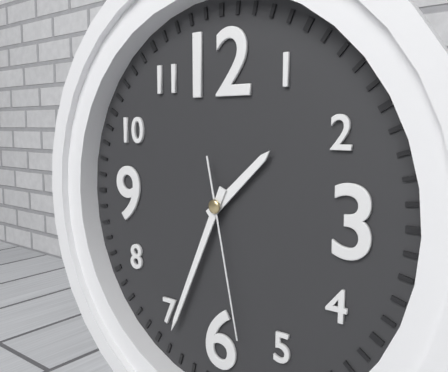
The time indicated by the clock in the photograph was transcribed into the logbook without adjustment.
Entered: 1:34:28
